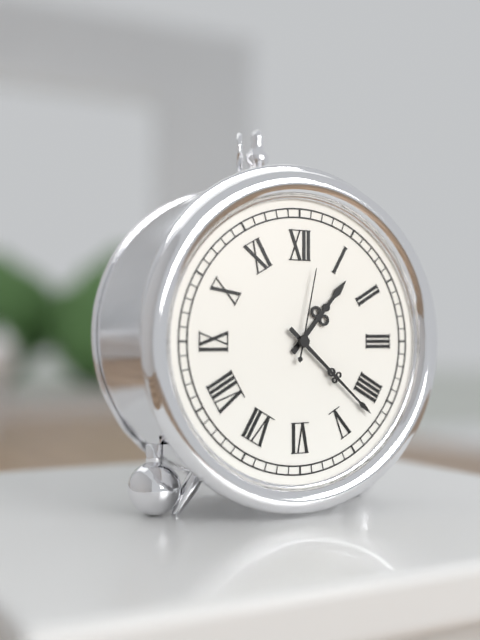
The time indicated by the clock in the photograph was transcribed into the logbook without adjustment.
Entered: 1:22:02
